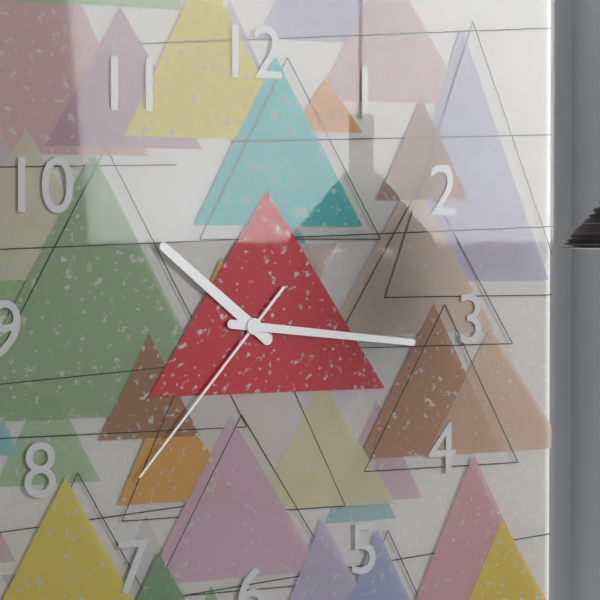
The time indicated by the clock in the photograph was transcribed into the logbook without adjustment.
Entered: 10:16:37
